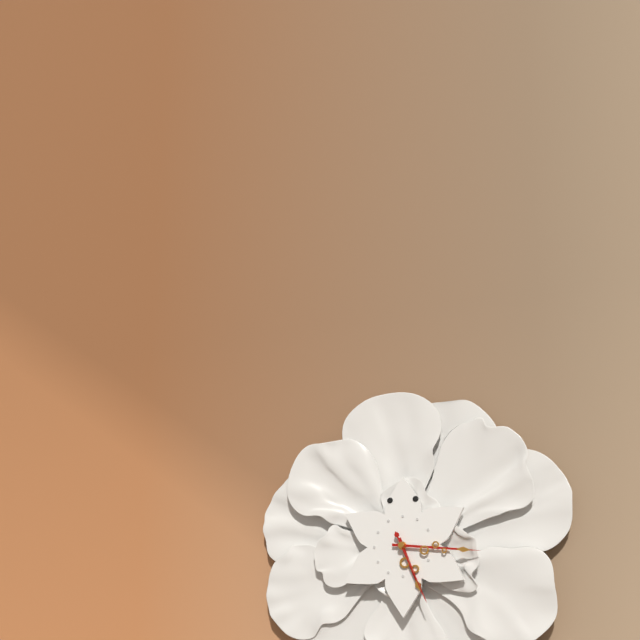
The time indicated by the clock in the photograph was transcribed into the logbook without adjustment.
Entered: 5:16:26
